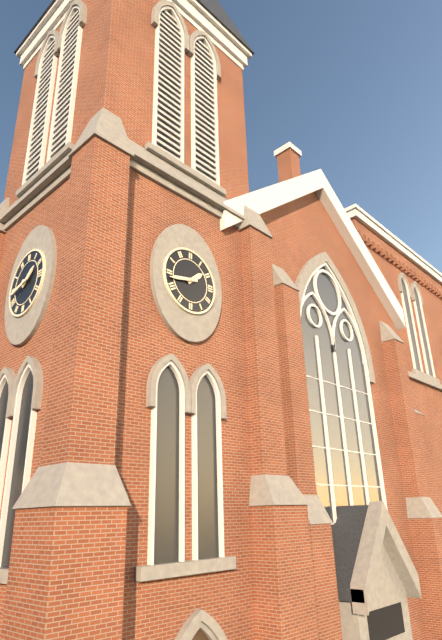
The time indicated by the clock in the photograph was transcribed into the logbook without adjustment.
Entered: 1:43
